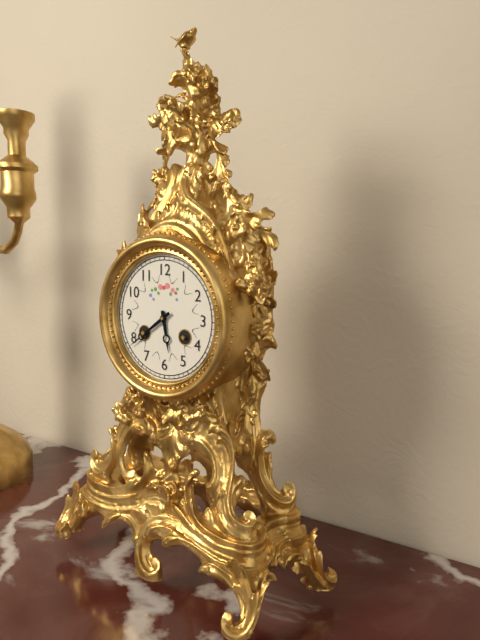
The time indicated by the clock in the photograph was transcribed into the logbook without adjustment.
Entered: 5:39
